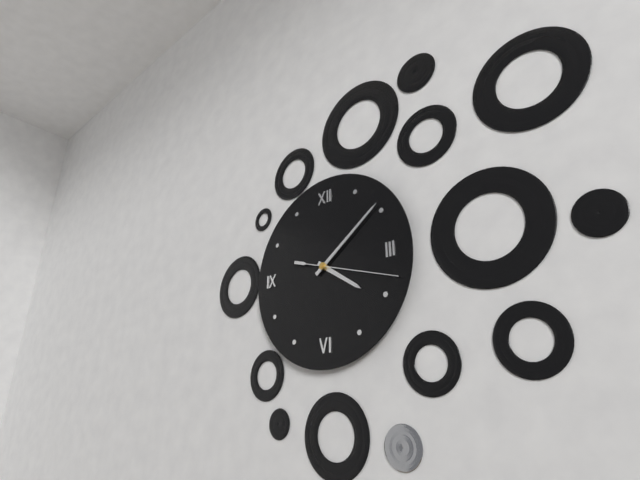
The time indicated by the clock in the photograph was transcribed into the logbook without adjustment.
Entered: 4:09:18
